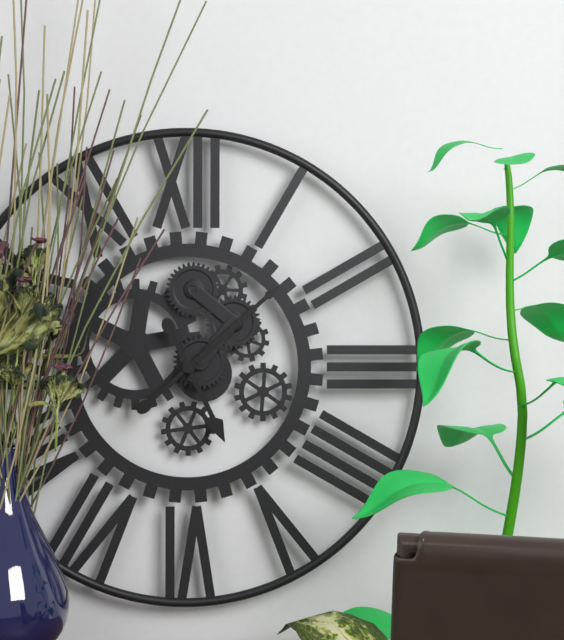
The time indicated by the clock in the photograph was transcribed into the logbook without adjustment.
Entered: 5:08
